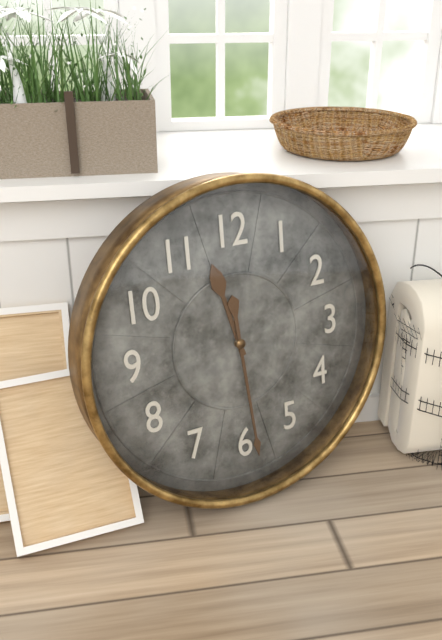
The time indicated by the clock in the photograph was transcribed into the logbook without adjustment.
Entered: 11:29
